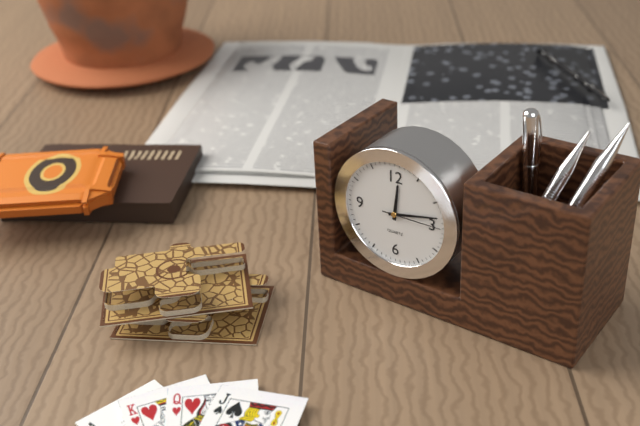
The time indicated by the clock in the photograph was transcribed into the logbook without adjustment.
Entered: 12:13:15
